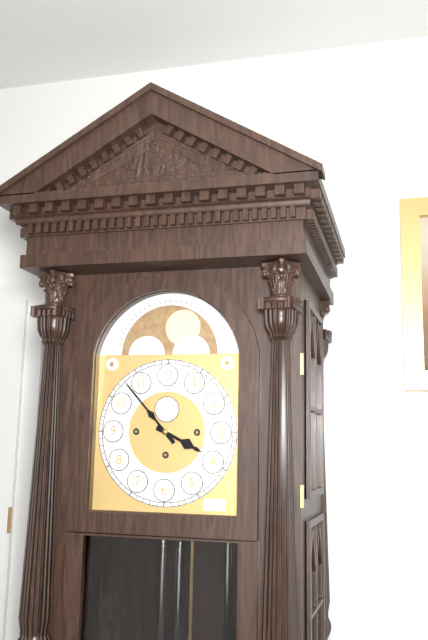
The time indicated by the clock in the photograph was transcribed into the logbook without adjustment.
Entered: 3:53
